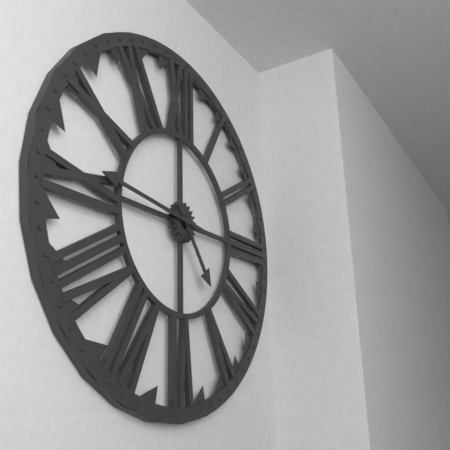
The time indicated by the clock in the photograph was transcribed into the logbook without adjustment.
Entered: 4:46
